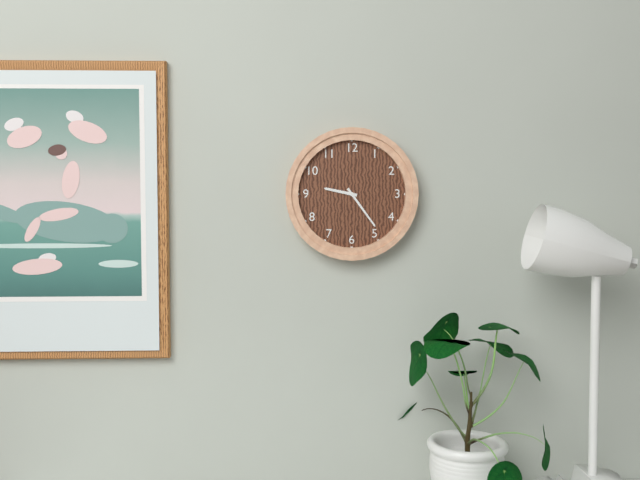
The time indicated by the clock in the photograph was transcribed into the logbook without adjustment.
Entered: 9:24
